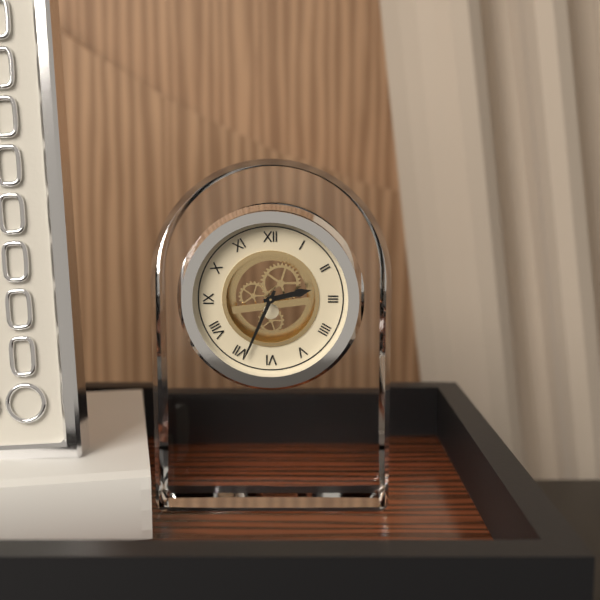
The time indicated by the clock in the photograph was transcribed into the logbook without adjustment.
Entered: 2:34
